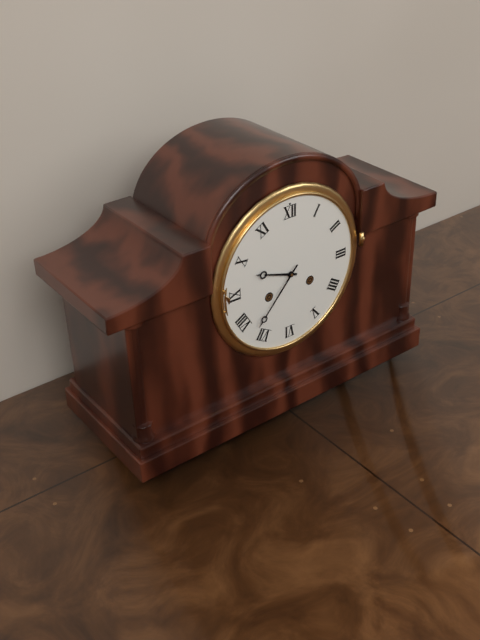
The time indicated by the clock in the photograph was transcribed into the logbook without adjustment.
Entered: 9:37
